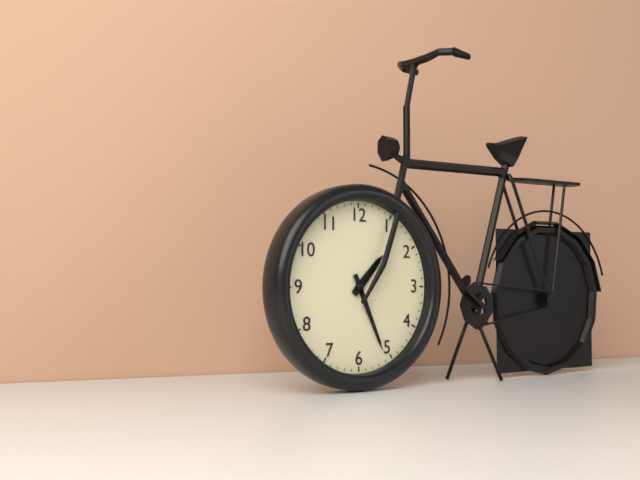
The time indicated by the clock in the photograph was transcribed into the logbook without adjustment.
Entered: 1:26
